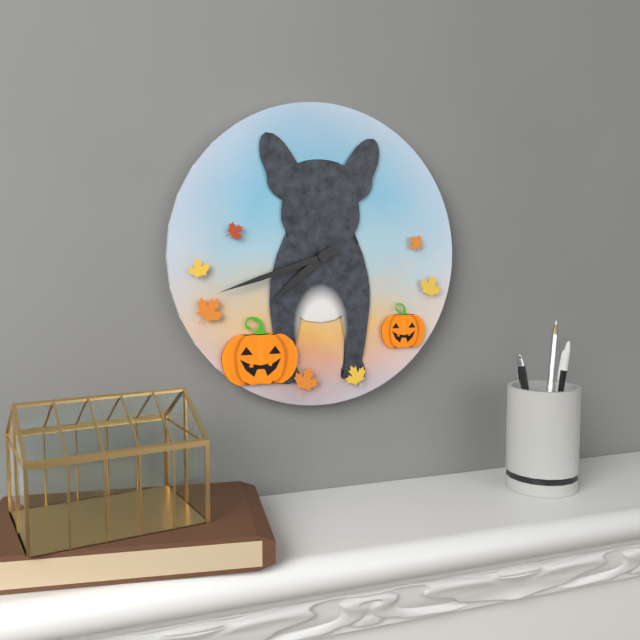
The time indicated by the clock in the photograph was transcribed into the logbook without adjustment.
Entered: 7:42
